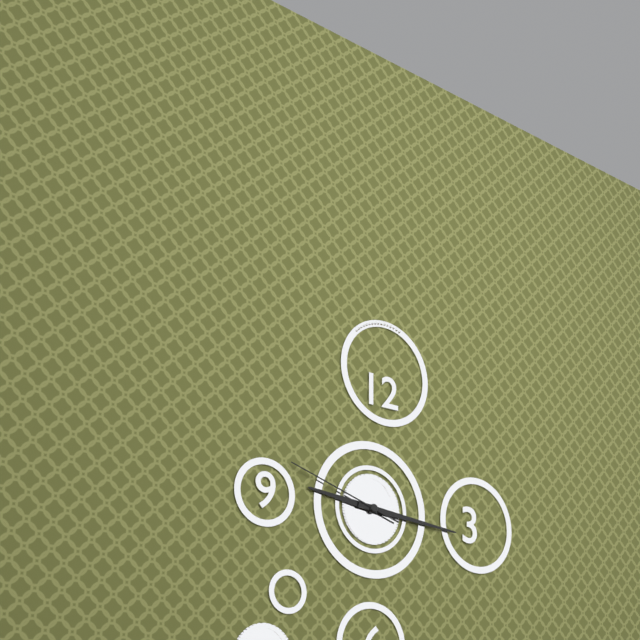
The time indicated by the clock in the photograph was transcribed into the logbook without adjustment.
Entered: 9:16:48
